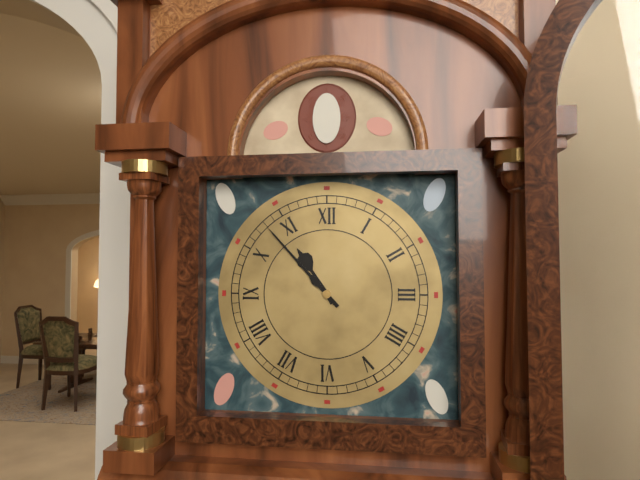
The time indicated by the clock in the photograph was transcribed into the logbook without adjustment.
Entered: 10:53
